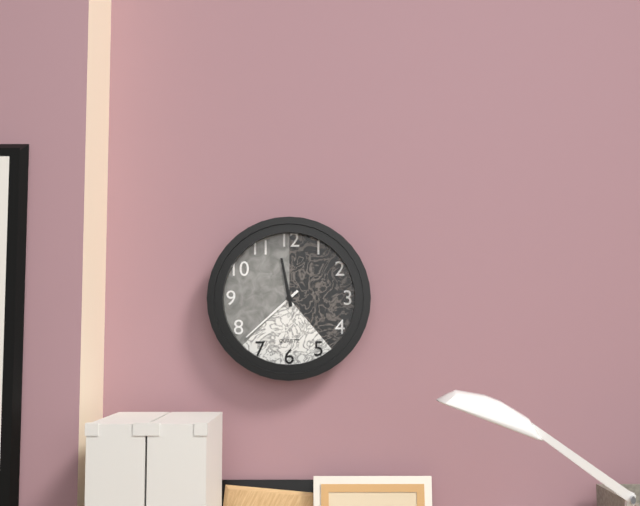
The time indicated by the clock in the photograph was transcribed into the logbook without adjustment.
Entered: 11:38
